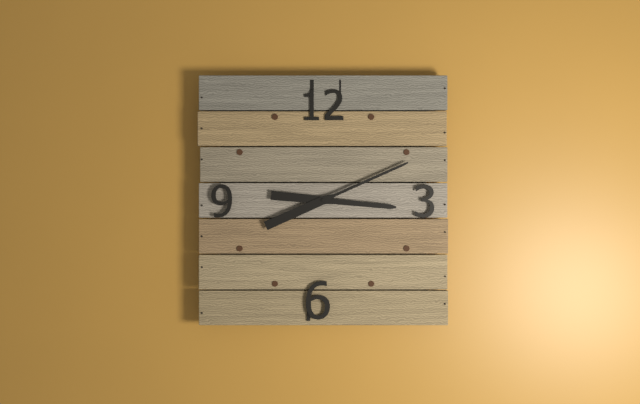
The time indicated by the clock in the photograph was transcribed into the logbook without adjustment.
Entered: 3:11
